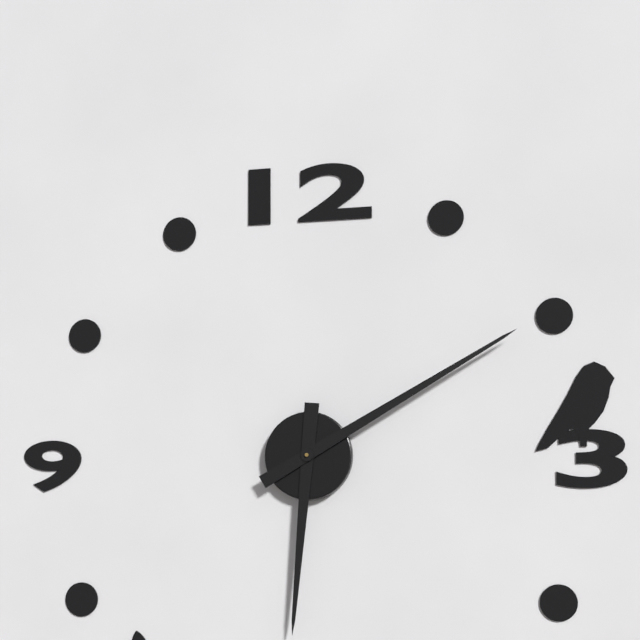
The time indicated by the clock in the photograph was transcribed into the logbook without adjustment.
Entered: 6:10
